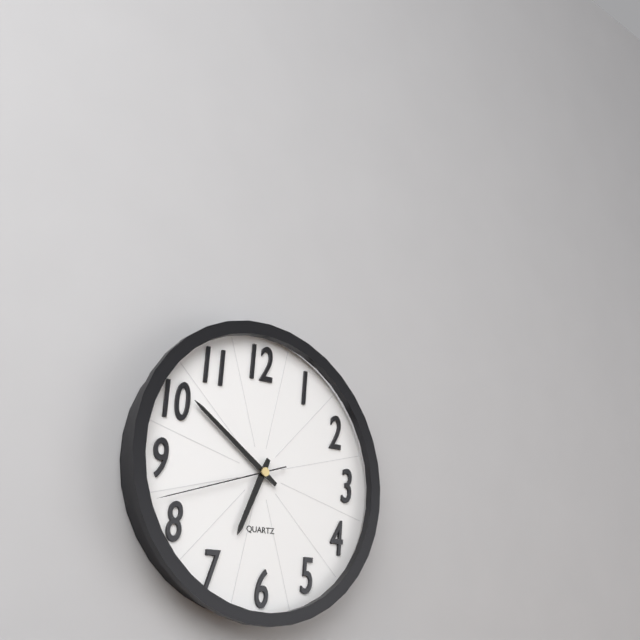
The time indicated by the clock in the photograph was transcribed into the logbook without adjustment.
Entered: 6:51:42
